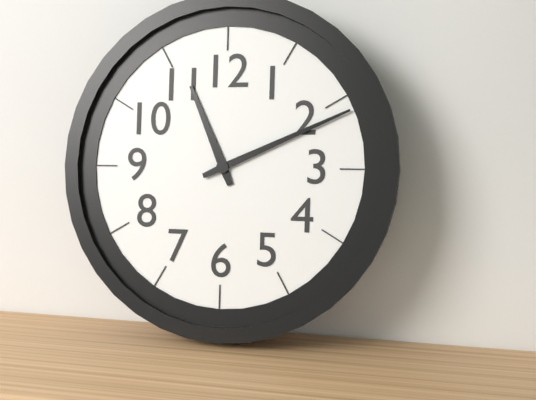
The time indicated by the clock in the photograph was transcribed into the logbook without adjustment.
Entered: 11:11
